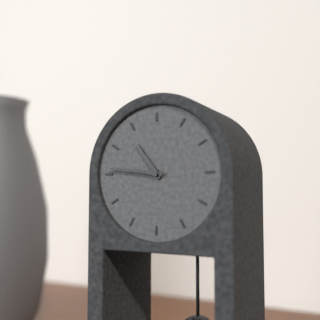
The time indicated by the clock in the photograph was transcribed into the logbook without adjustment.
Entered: 10:46
